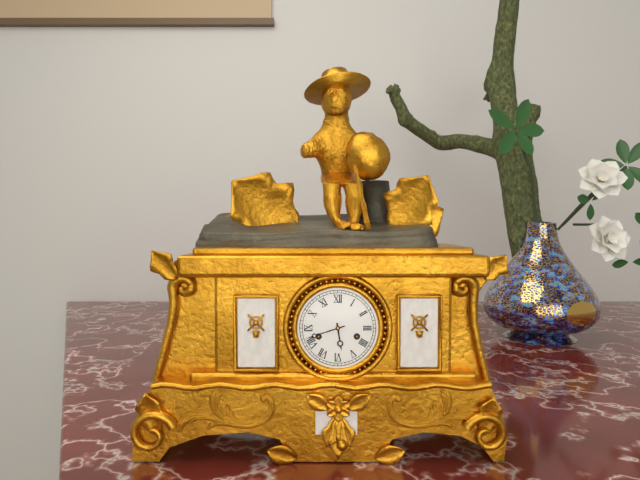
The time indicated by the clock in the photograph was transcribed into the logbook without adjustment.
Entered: 5:42
